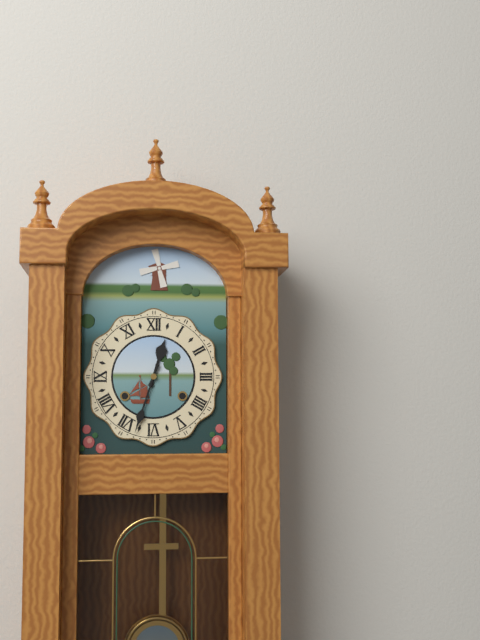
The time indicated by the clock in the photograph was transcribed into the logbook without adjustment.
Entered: 12:33
